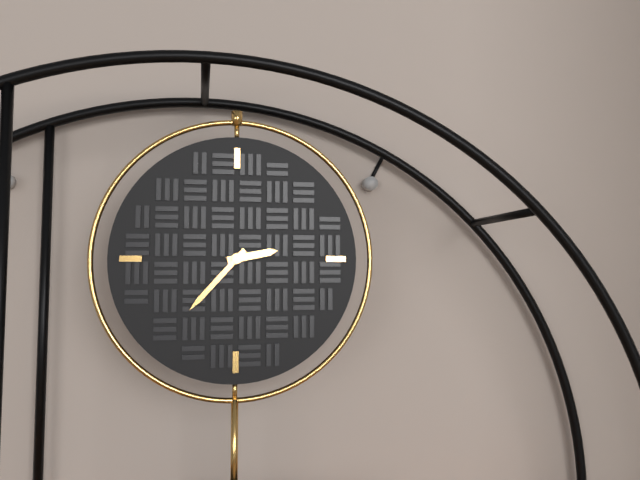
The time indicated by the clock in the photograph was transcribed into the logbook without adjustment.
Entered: 2:37
